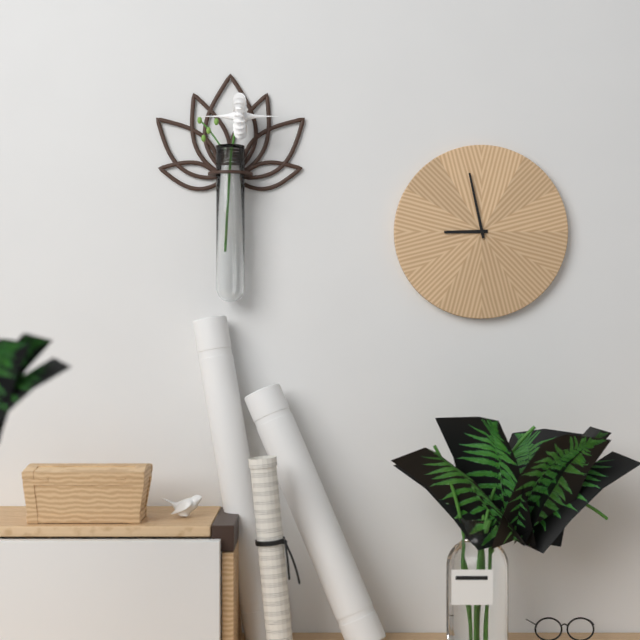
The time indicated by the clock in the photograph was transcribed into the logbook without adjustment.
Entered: 8:58
